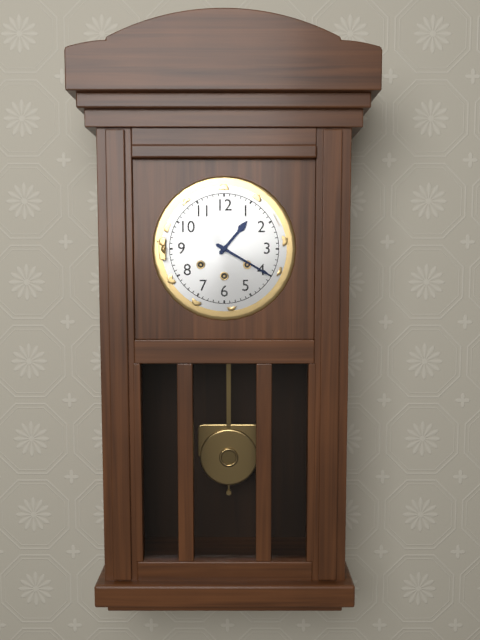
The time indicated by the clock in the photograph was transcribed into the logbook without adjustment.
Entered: 1:20
